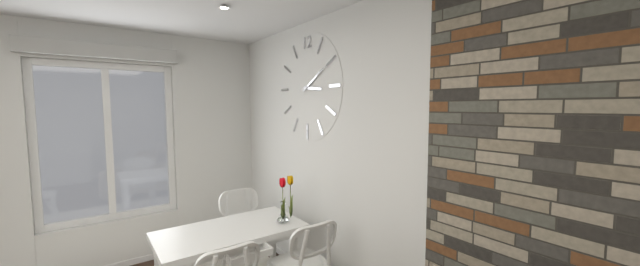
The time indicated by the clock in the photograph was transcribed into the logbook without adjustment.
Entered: 3:10
